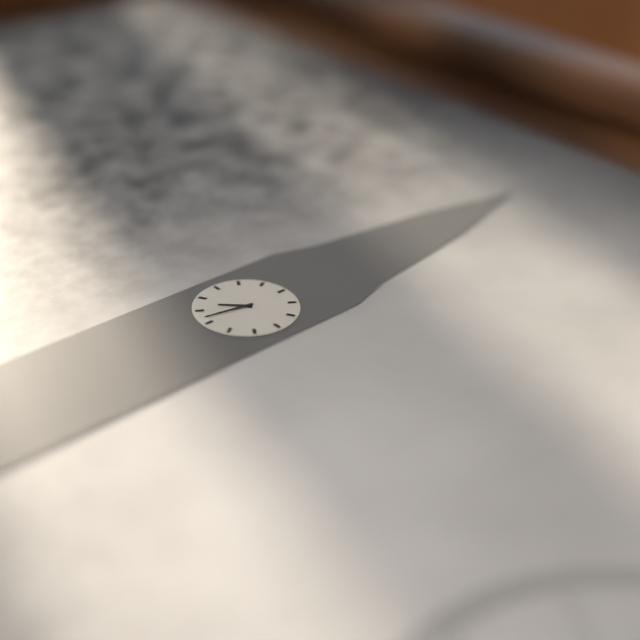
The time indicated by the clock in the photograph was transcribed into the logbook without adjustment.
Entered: 7:32
